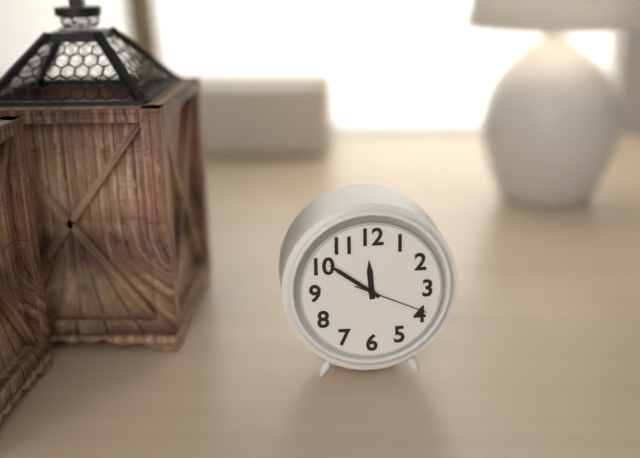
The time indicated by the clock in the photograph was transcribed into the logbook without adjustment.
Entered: 11:51:19
